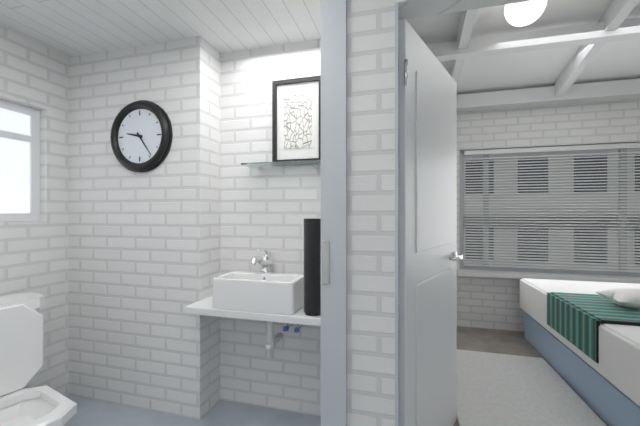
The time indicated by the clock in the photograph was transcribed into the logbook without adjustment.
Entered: 9:24
